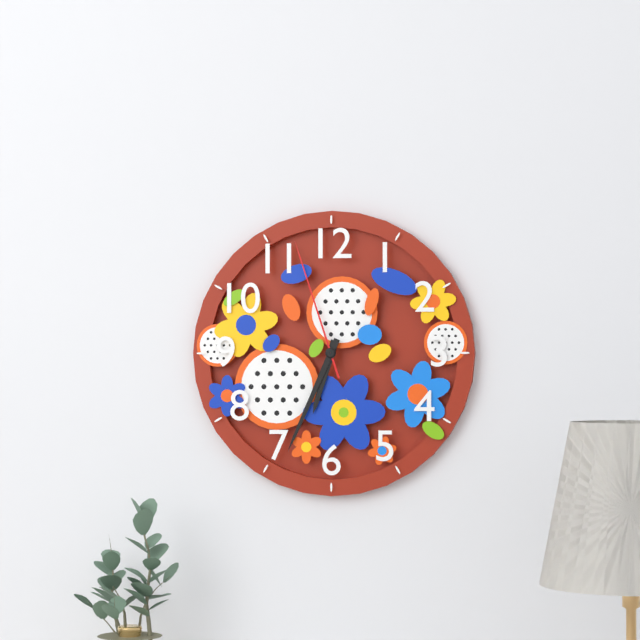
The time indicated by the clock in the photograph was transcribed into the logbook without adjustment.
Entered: 6:34:57
